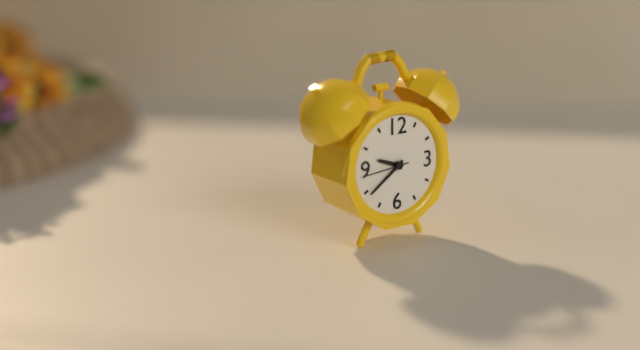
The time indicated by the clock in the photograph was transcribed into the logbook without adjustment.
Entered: 9:39
